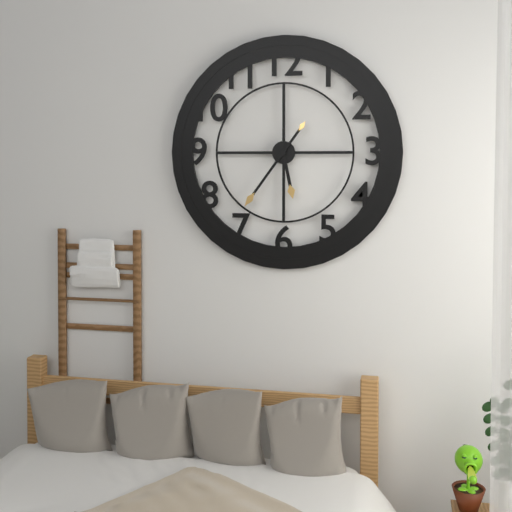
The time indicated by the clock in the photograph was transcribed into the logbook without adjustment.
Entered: 5:36
